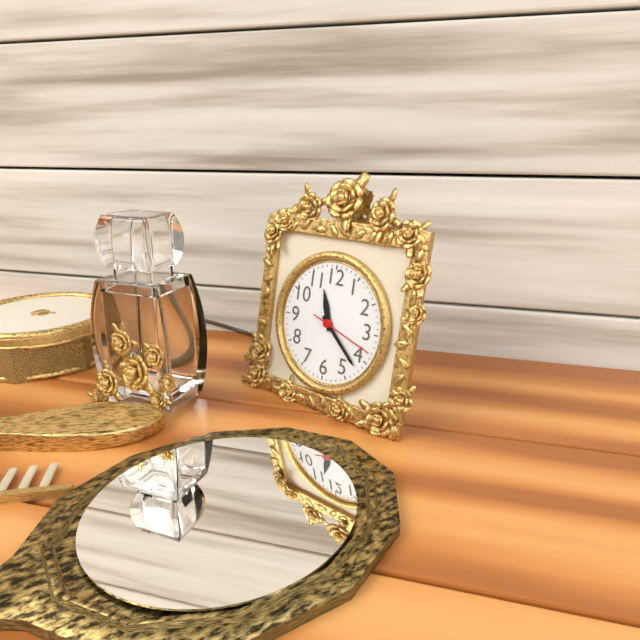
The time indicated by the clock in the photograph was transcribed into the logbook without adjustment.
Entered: 11:22:18
